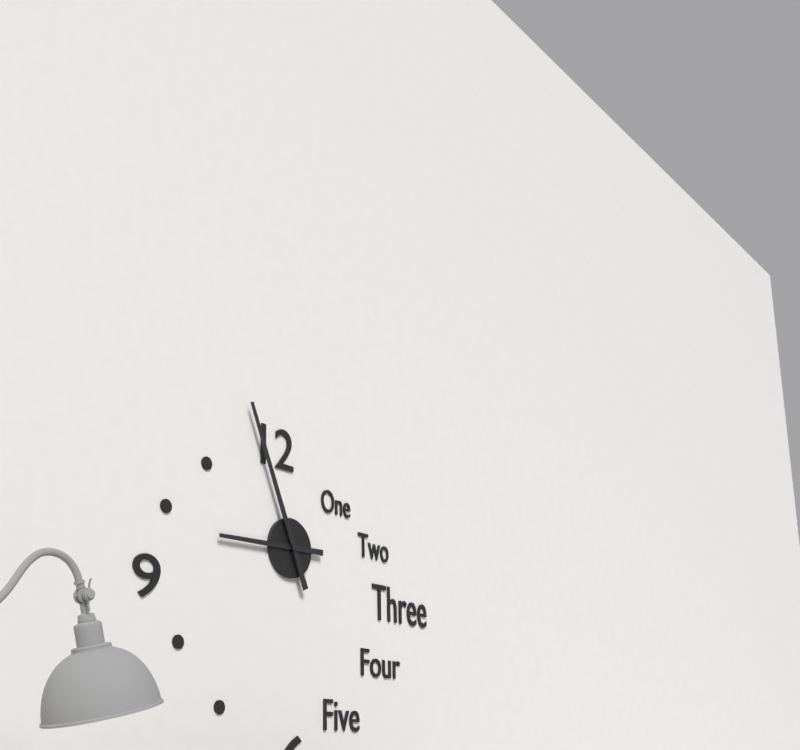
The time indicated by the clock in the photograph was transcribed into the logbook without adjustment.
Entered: 8:56
